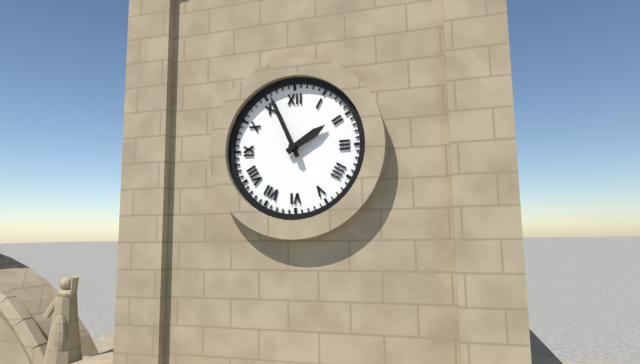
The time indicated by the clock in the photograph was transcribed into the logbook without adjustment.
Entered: 1:56
